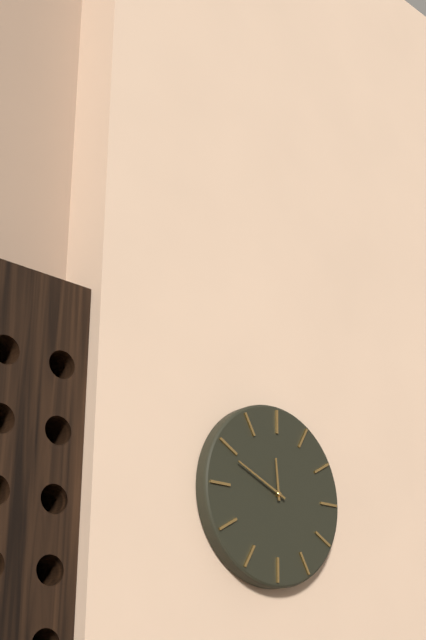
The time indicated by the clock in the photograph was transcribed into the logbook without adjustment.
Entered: 11:49
